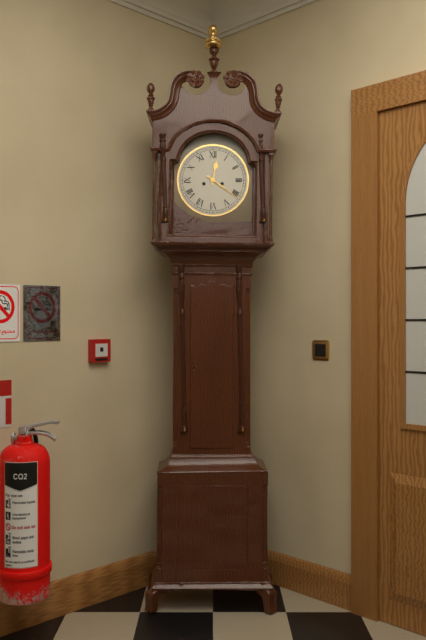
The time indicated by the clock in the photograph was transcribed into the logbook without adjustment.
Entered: 12:21
